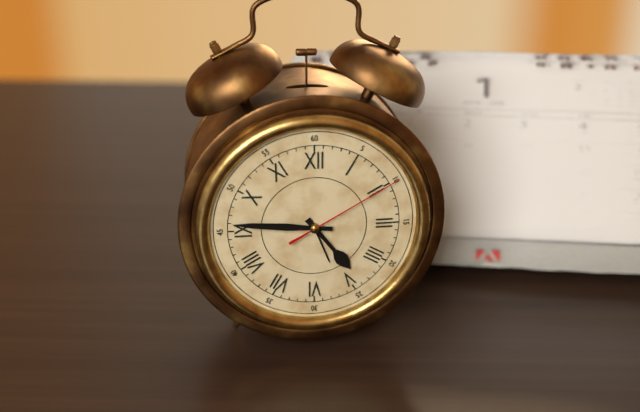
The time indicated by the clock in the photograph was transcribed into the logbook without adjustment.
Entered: 4:46:10
